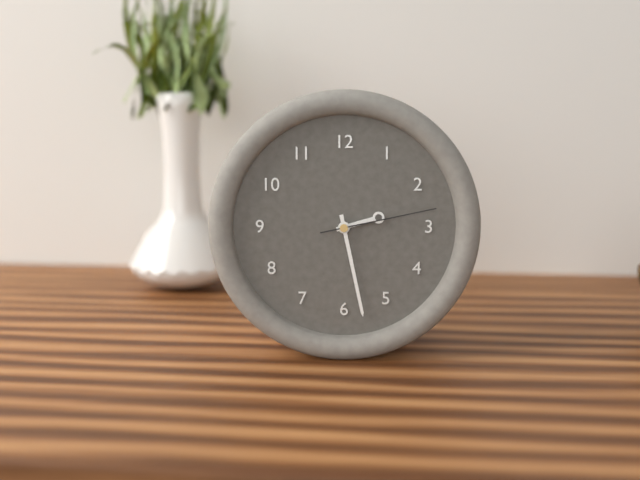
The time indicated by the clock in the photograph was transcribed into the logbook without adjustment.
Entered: 2:28:13
